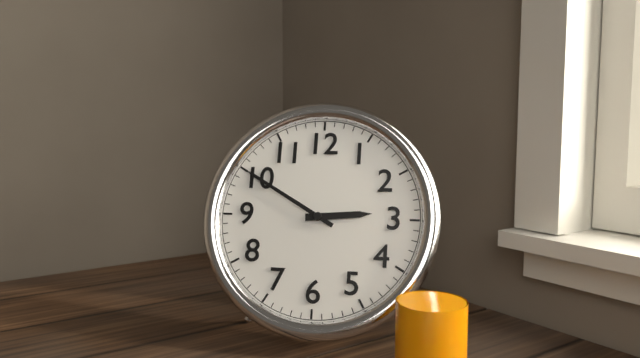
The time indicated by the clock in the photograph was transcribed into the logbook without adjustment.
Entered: 2:50
